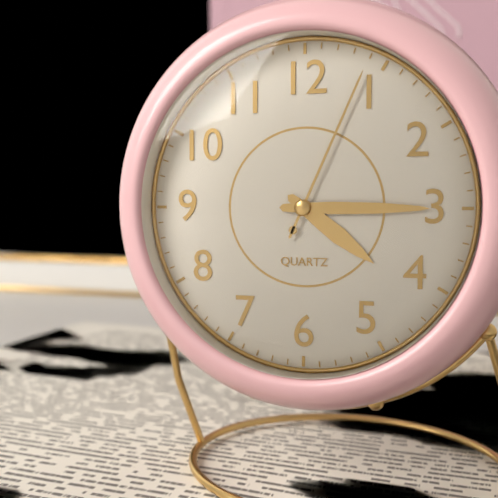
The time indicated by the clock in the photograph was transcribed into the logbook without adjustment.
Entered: 4:15:04
